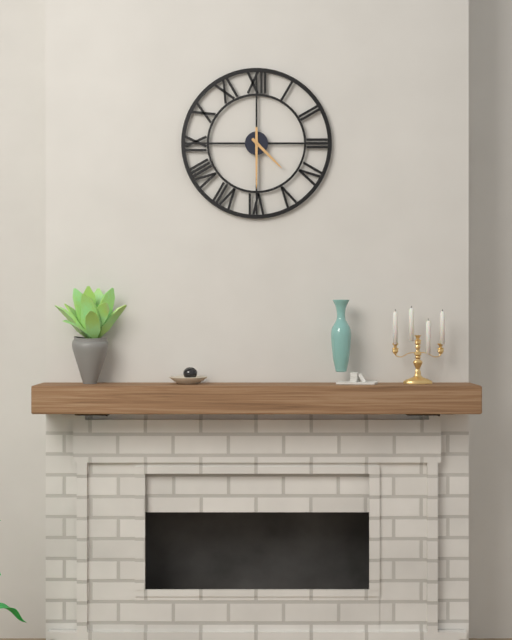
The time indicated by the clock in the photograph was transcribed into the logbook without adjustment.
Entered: 4:30
